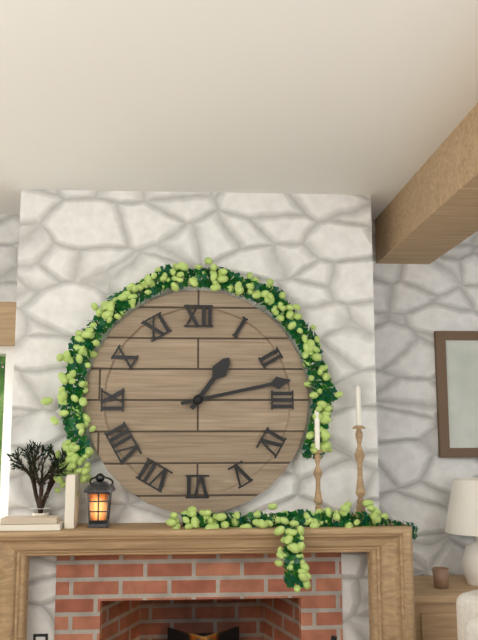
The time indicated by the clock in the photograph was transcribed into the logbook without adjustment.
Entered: 1:13
